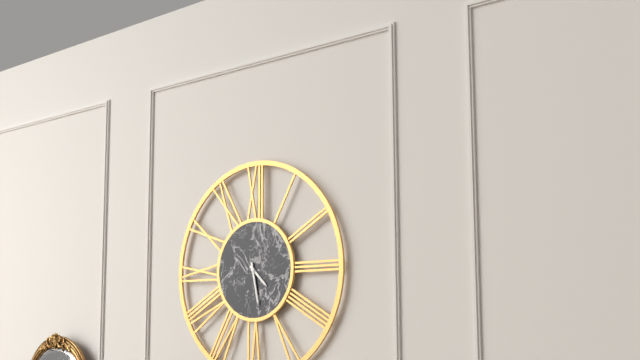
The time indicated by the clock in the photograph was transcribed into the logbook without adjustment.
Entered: 4:28
